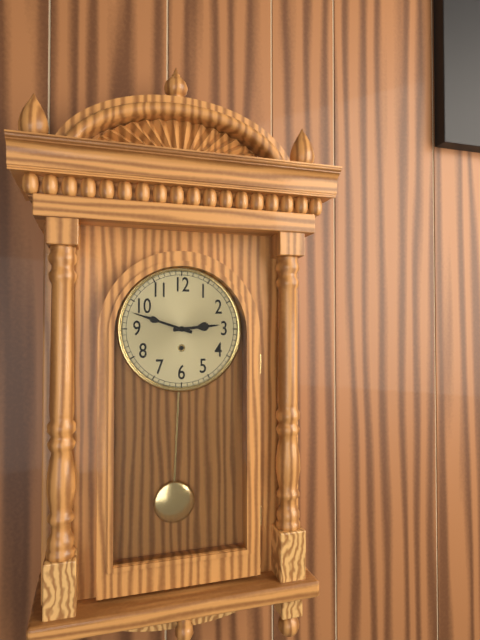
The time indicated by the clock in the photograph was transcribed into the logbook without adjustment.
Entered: 2:48
